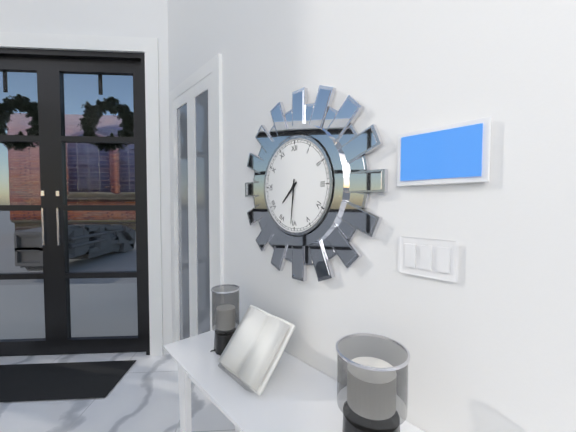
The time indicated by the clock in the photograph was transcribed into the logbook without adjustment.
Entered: 7:31
